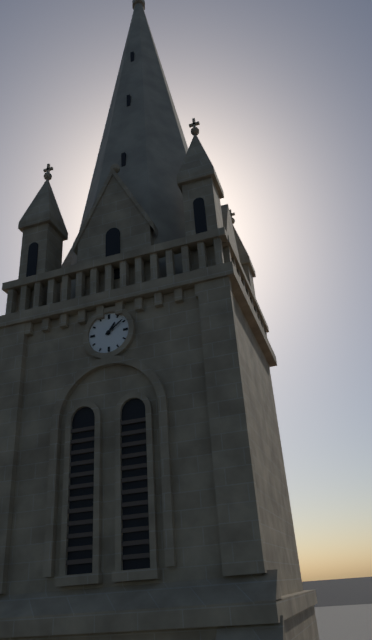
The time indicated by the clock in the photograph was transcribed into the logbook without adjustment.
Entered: 1:09
